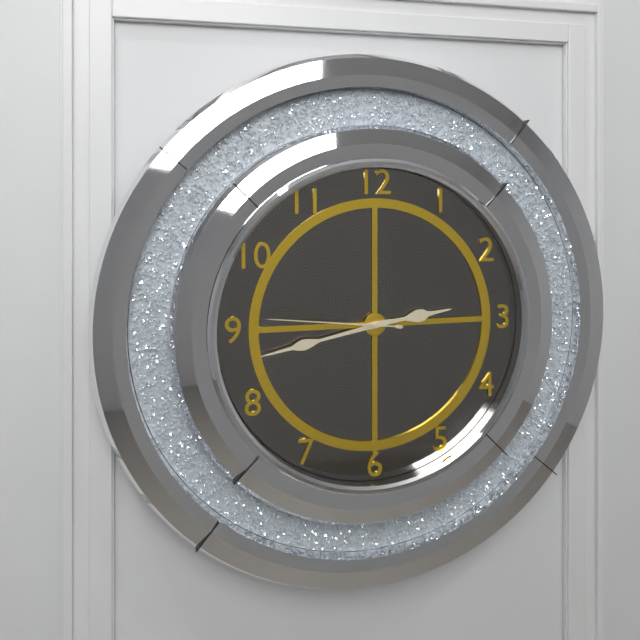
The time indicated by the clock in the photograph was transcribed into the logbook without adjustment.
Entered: 2:43:46
